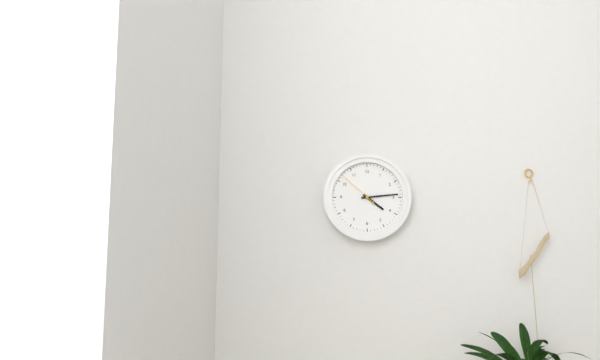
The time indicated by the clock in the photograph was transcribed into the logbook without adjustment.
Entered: 4:14
